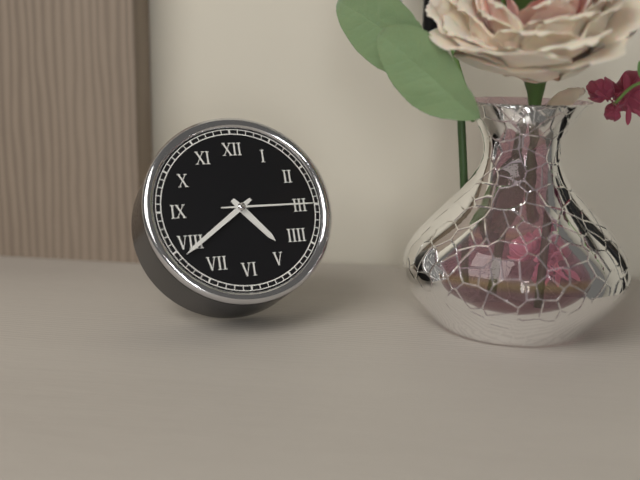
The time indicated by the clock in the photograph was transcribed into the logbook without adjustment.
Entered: 4:39:15
